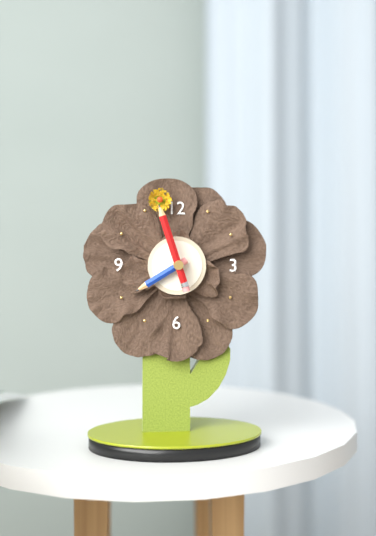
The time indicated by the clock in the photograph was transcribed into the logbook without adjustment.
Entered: 7:57
